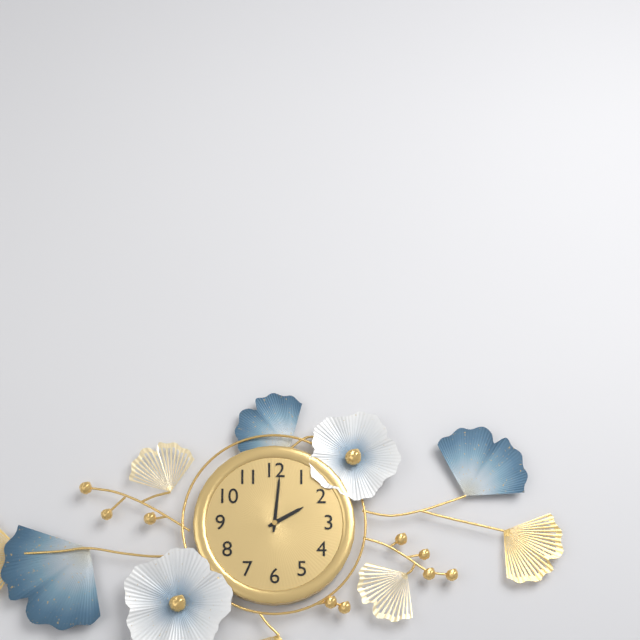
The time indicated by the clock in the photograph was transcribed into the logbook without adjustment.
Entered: 2:01
